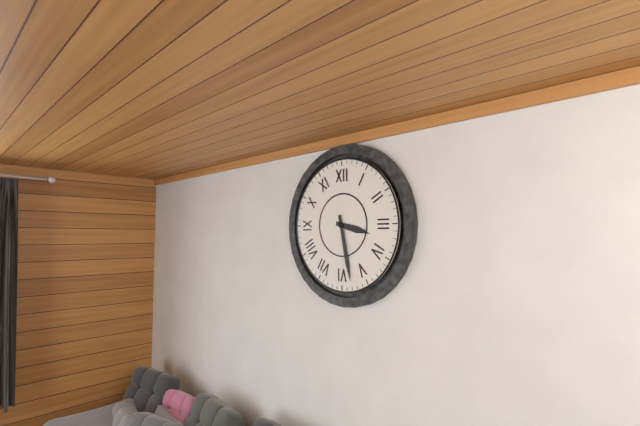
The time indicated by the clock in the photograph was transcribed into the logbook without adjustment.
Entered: 3:28
